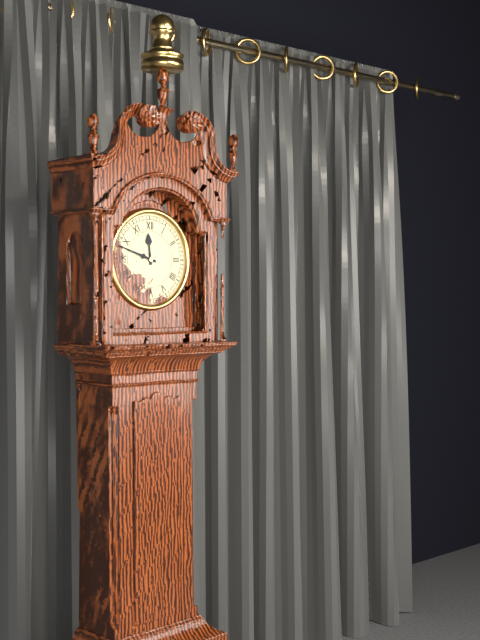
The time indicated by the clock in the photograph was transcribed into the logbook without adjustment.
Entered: 11:48
